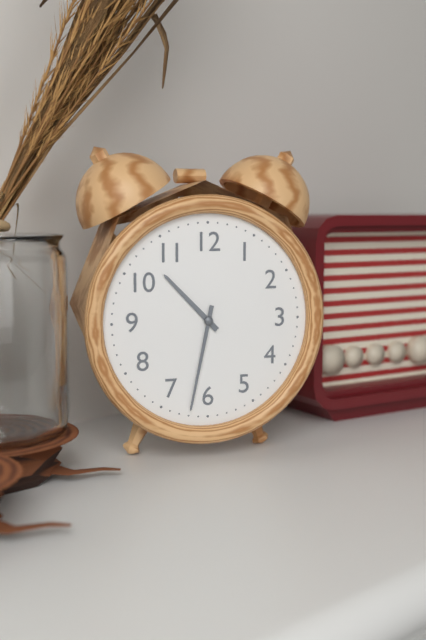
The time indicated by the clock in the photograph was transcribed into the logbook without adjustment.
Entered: 10:32
